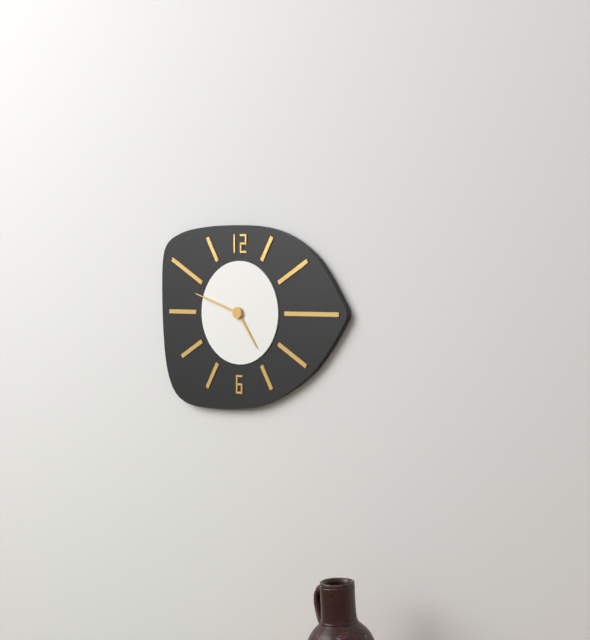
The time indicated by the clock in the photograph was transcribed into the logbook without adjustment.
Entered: 4:48
